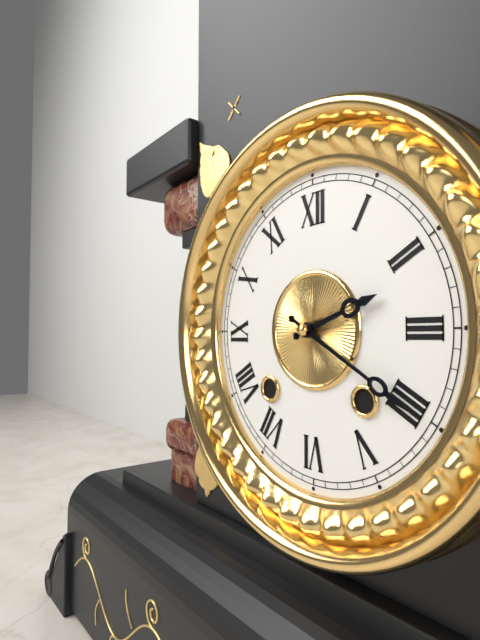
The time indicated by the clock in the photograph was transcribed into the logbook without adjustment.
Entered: 2:20
